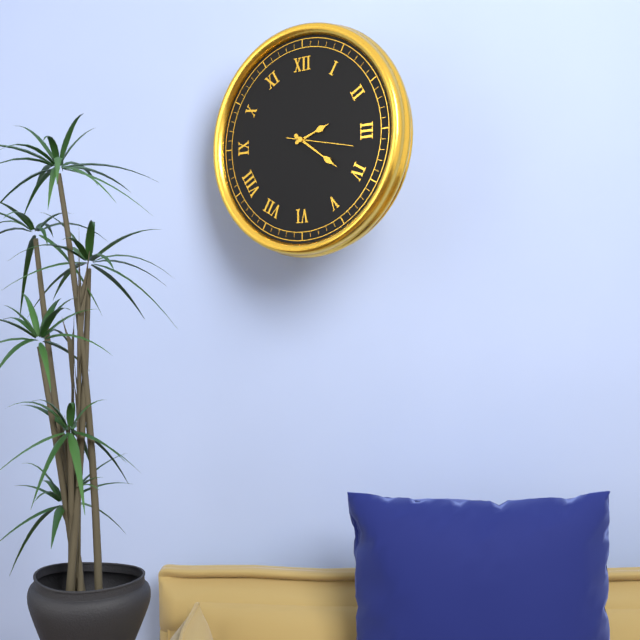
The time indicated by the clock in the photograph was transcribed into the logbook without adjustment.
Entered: 2:21:17
